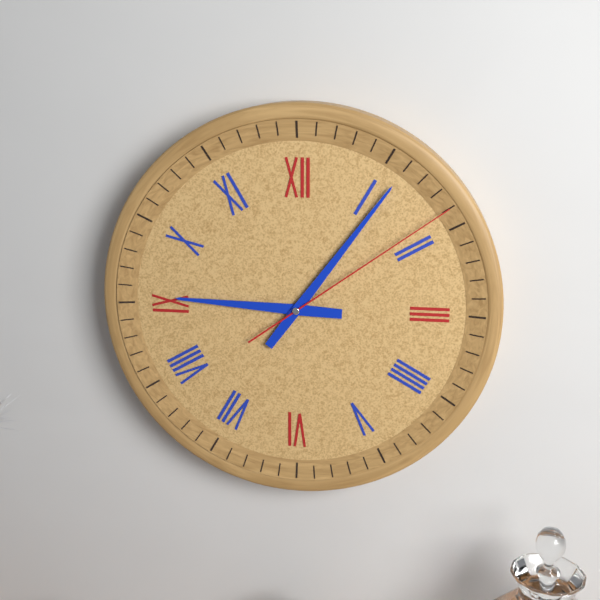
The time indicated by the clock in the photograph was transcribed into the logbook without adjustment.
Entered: 9:06:09
